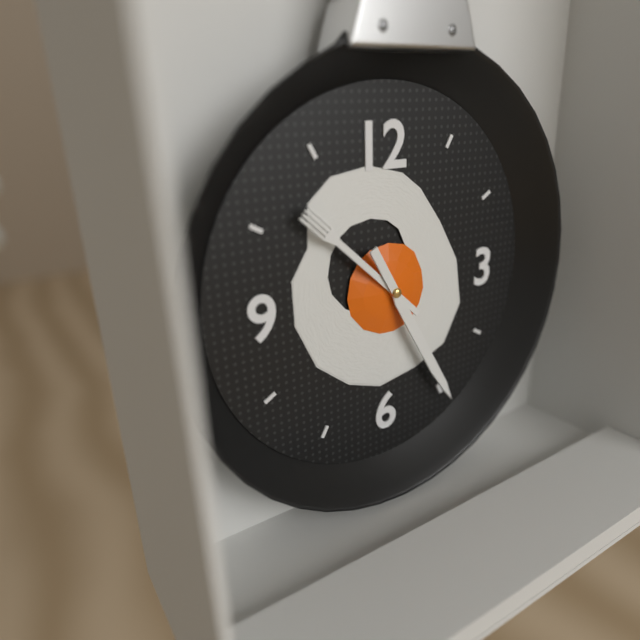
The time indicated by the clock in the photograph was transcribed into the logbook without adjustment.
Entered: 10:25
